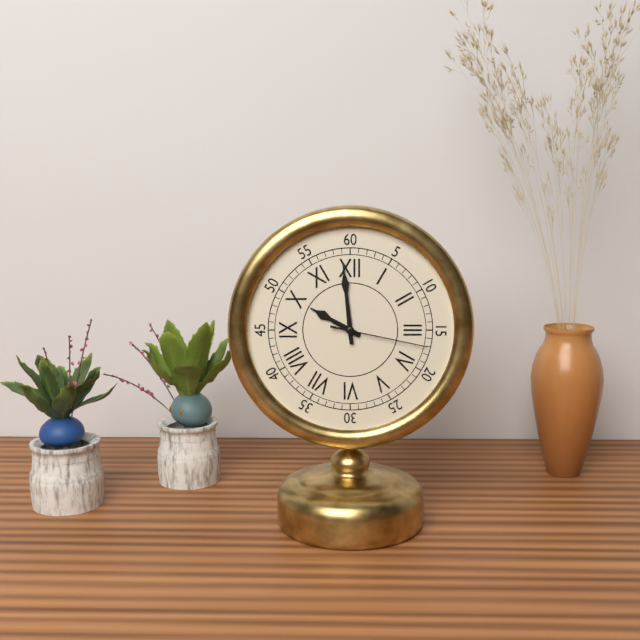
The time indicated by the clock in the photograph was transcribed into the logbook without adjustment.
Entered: 9:59:17
